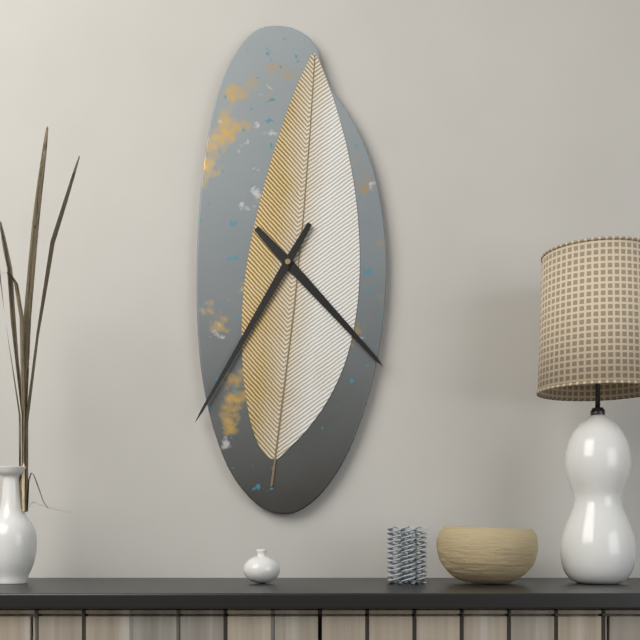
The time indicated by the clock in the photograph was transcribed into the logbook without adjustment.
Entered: 4:35
